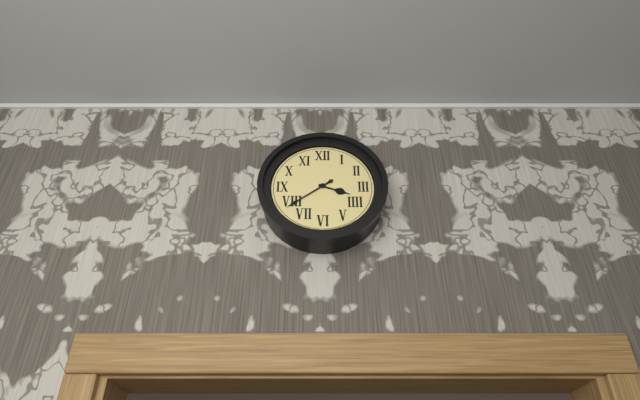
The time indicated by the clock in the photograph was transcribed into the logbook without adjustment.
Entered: 3:39
